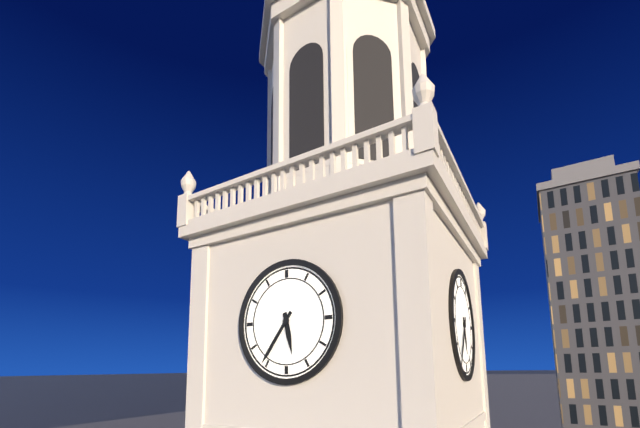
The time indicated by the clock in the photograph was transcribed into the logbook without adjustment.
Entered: 5:36
